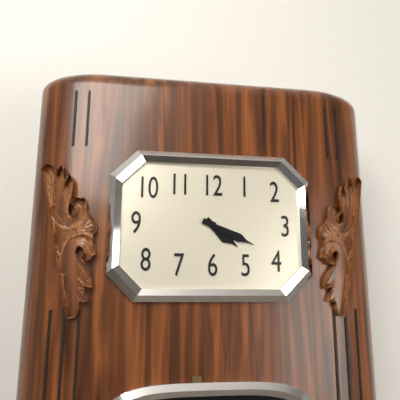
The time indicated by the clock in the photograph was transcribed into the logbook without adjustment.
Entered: 4:19
